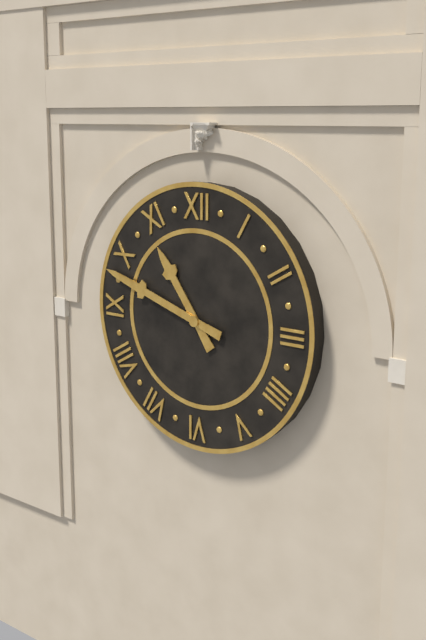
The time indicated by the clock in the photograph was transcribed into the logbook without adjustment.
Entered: 10:48
